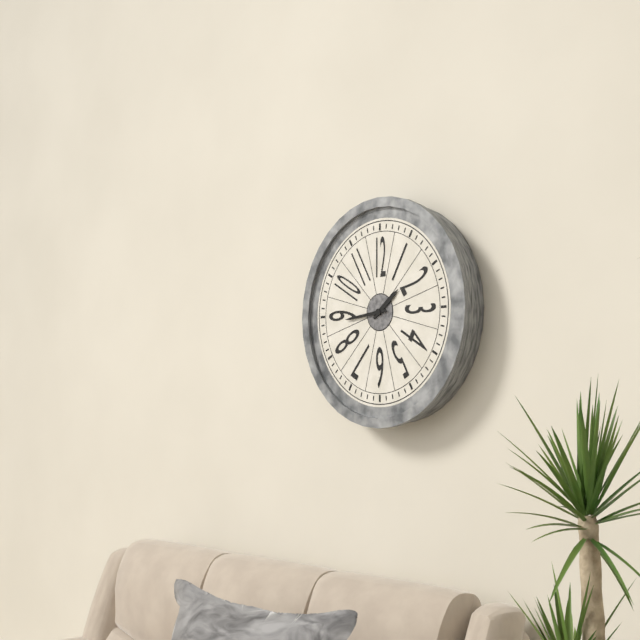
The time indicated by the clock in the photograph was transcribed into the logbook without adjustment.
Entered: 1:44
